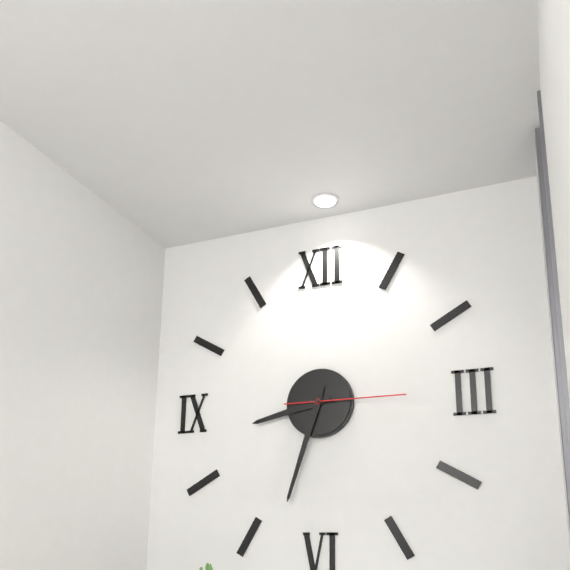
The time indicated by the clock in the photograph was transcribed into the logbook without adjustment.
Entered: 8:33:15
